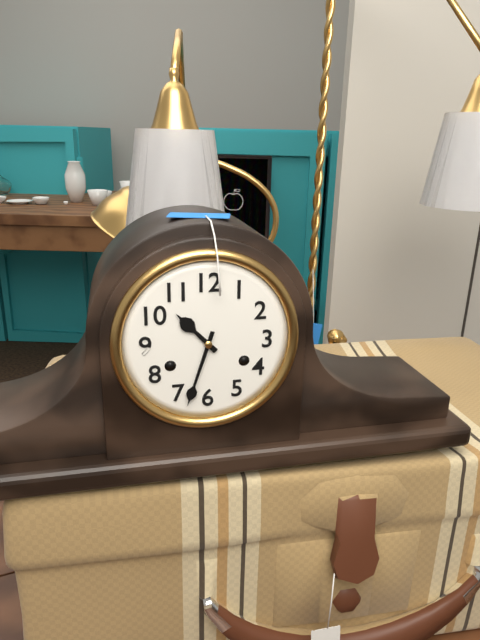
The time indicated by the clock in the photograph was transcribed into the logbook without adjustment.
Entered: 10:33
